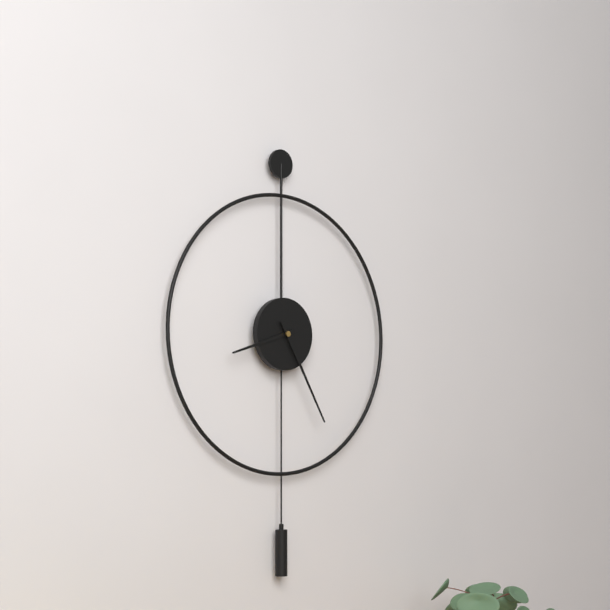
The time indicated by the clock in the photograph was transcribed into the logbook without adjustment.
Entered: 8:25
